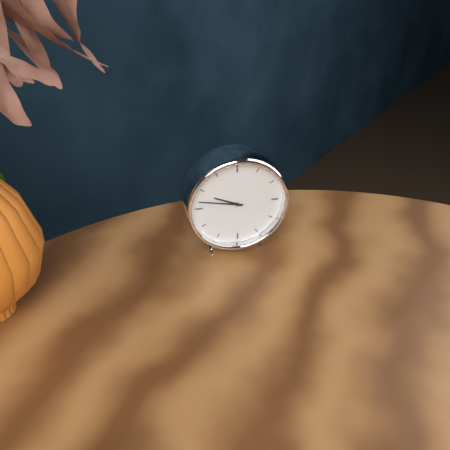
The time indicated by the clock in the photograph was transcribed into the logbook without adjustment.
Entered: 9:47
